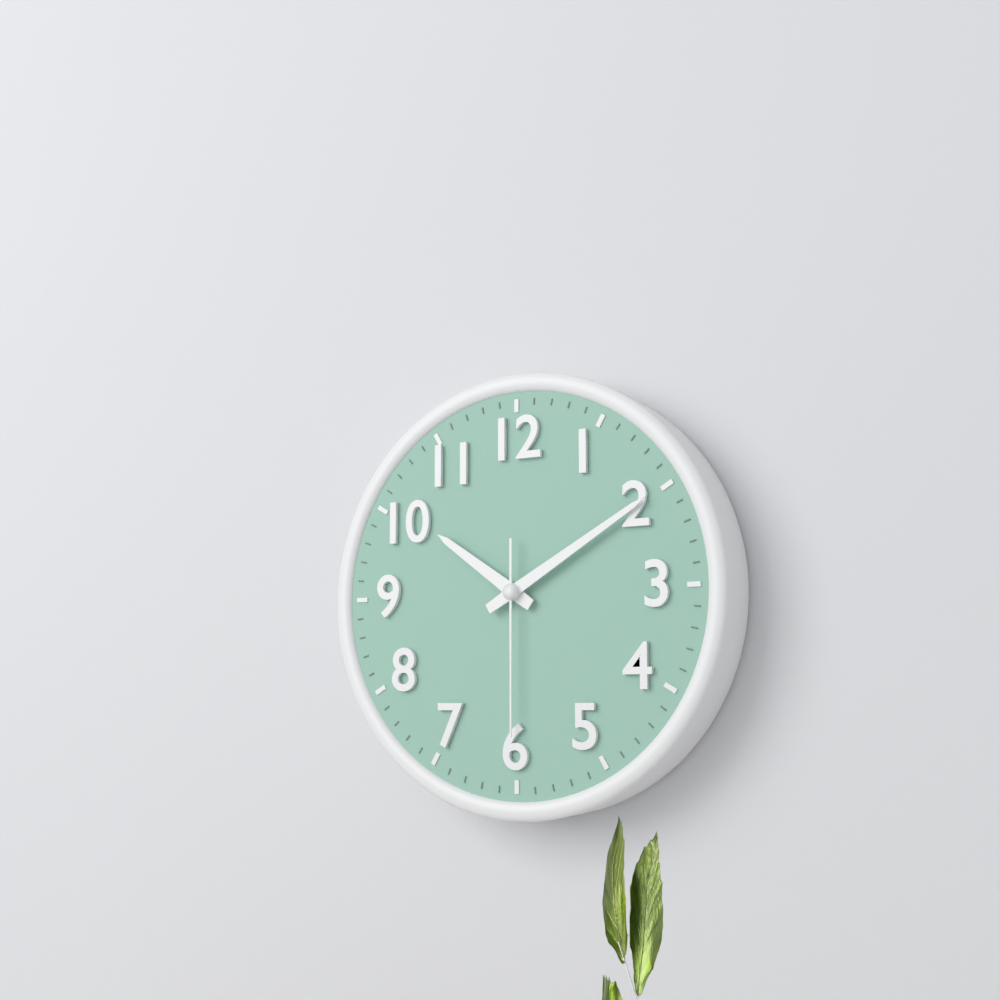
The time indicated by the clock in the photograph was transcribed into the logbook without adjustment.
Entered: 10:10:30
